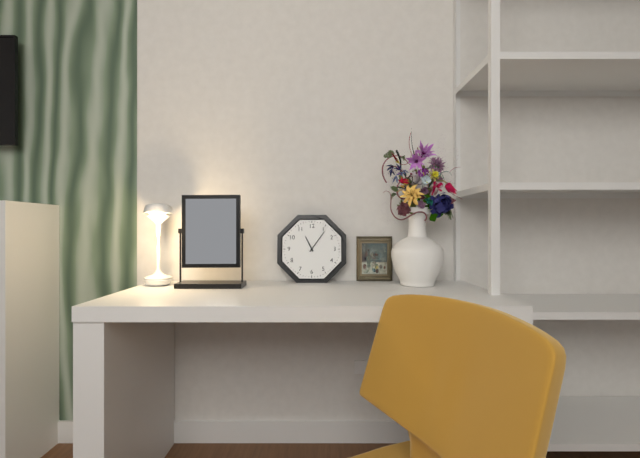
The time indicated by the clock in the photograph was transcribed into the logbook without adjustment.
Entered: 11:06
